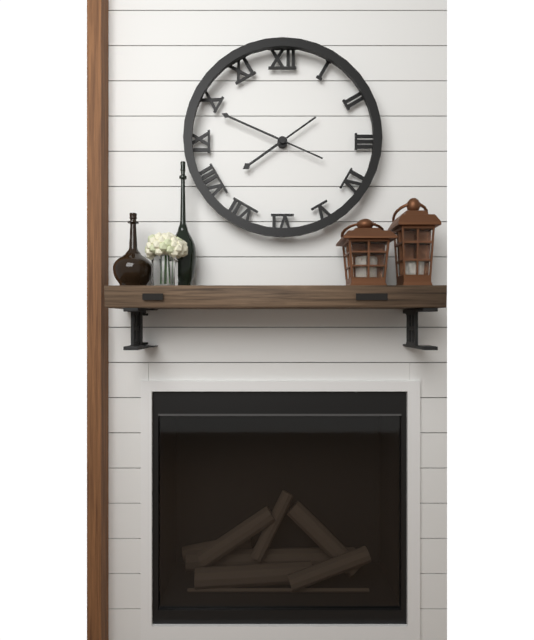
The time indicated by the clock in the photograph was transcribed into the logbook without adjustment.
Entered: 7:49
